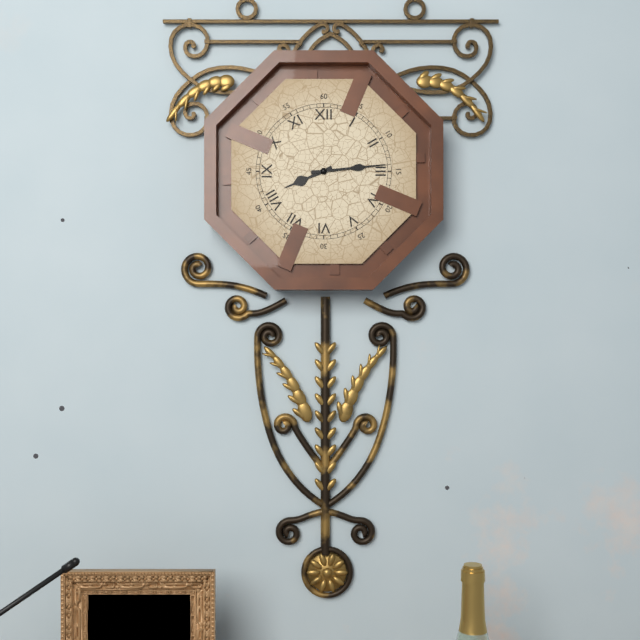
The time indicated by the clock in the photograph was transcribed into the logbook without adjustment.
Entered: 8:14
